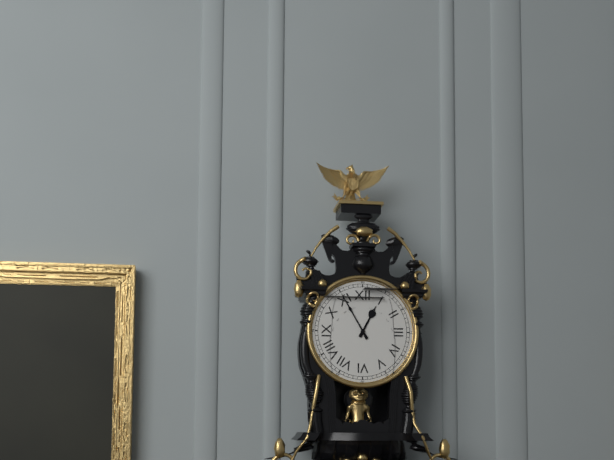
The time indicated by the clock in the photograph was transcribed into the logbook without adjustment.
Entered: 12:55
